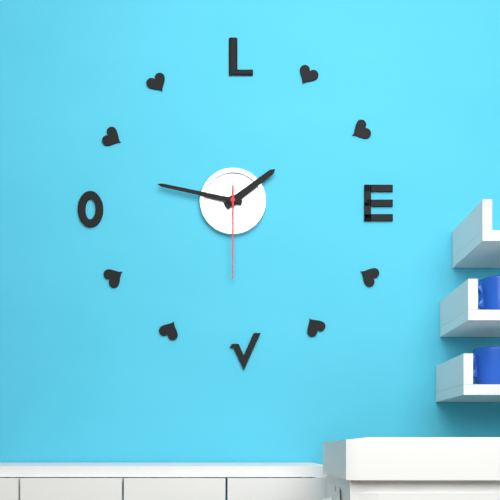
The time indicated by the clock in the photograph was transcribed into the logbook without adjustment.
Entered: 1:47:30
